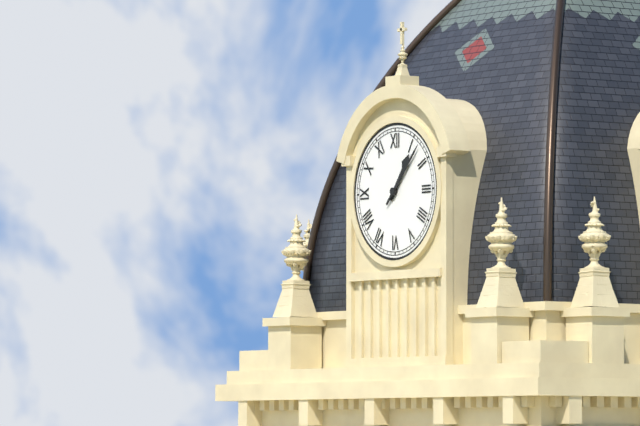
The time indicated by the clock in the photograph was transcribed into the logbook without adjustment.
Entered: 1:07
